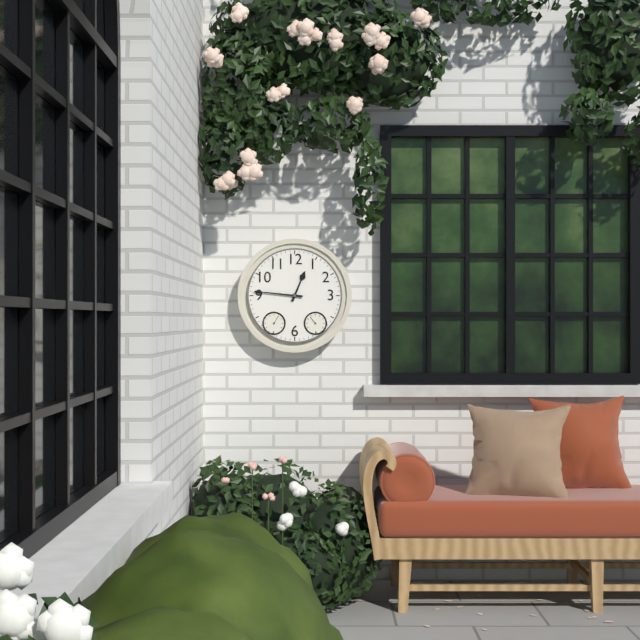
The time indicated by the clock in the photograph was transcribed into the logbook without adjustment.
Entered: 12:46
